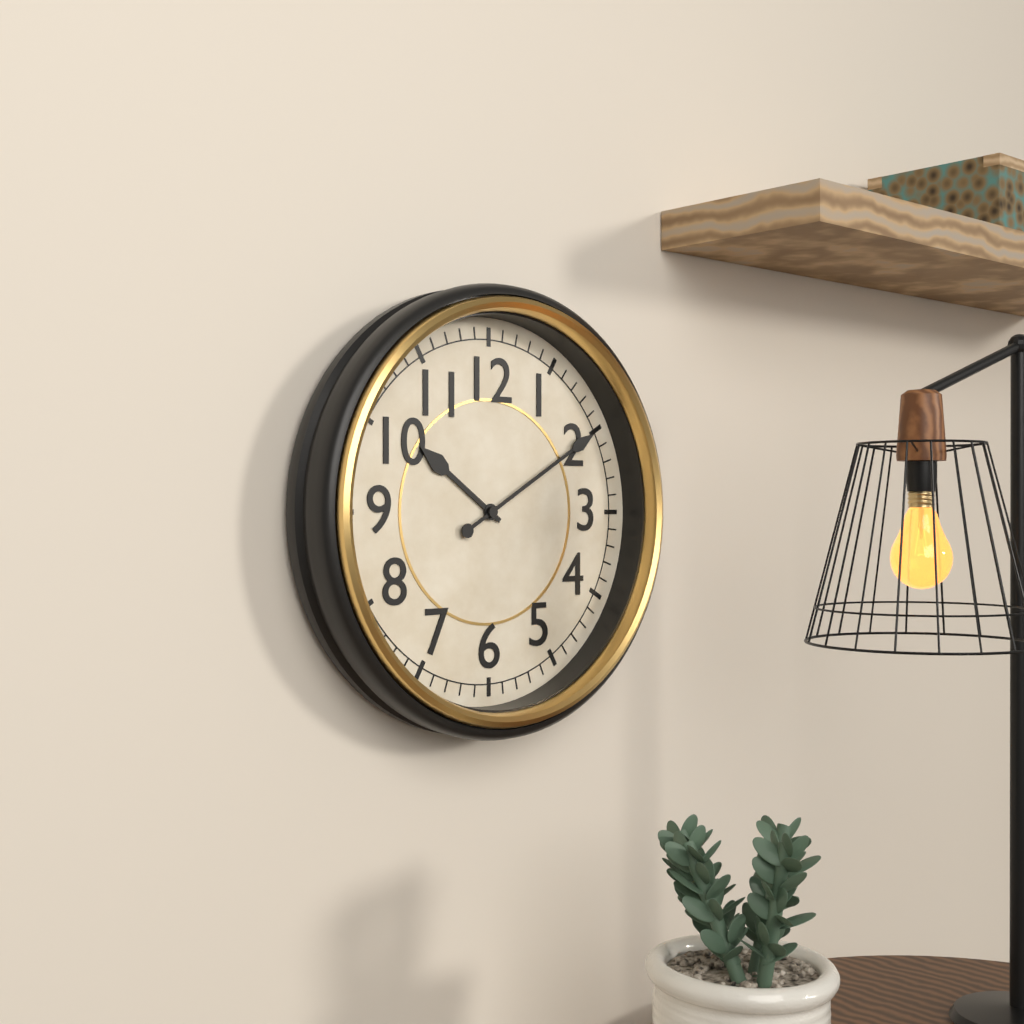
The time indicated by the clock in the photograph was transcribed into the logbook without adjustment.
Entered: 10:10
